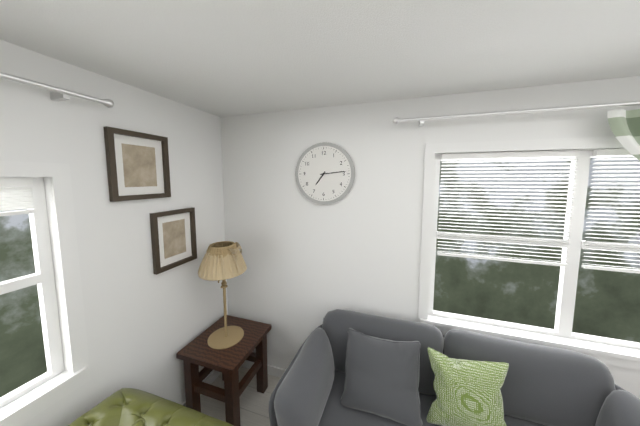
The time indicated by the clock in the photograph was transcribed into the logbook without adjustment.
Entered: 7:14
